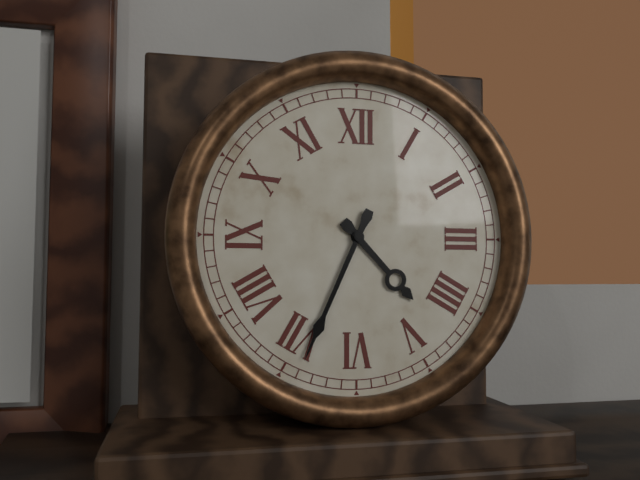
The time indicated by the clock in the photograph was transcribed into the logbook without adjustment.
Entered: 4:34
